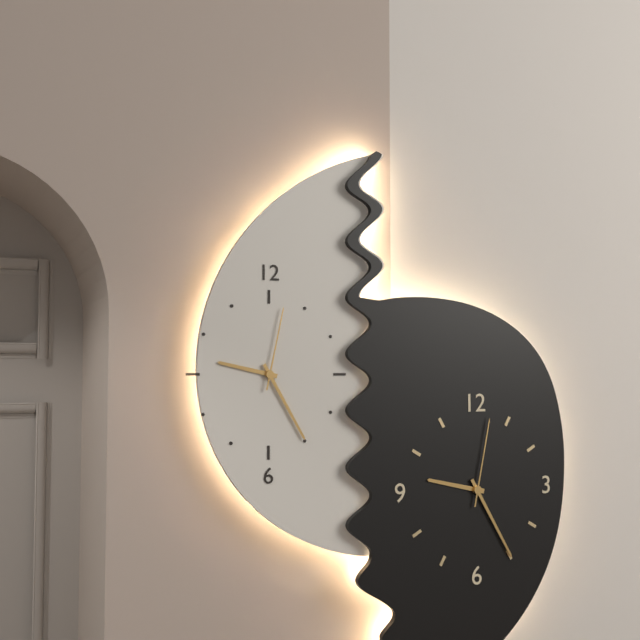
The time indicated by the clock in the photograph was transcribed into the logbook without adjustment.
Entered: 9:25:02
